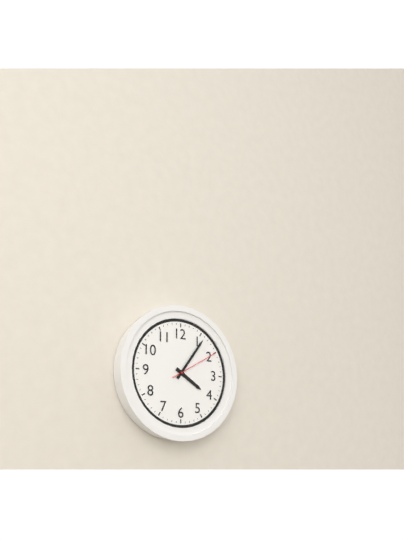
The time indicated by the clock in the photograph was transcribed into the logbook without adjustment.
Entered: 4:06
